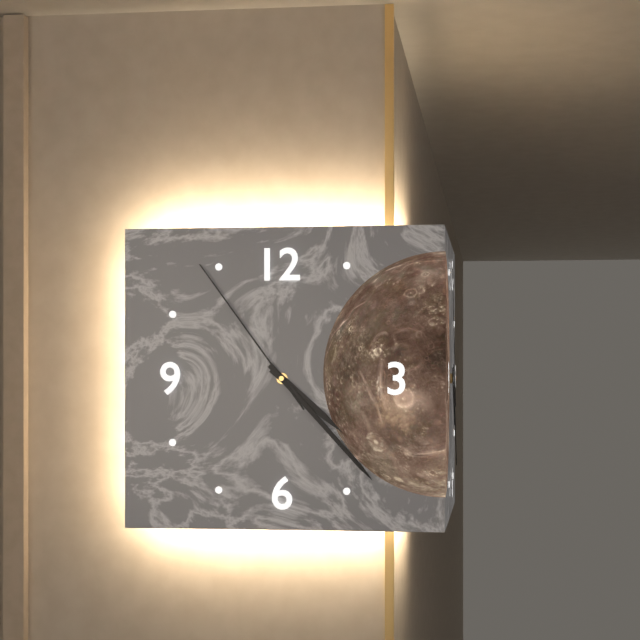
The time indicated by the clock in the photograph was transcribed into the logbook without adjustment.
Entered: 4:23:54
